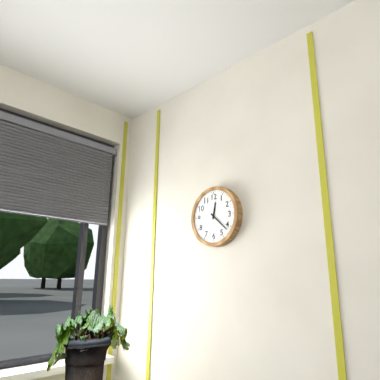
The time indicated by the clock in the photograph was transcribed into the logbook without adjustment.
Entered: 12:22
